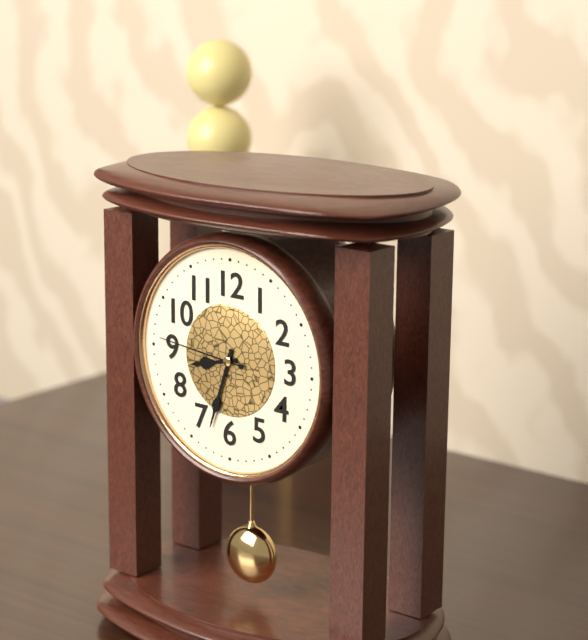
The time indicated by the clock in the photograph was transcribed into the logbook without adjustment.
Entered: 8:33:46
